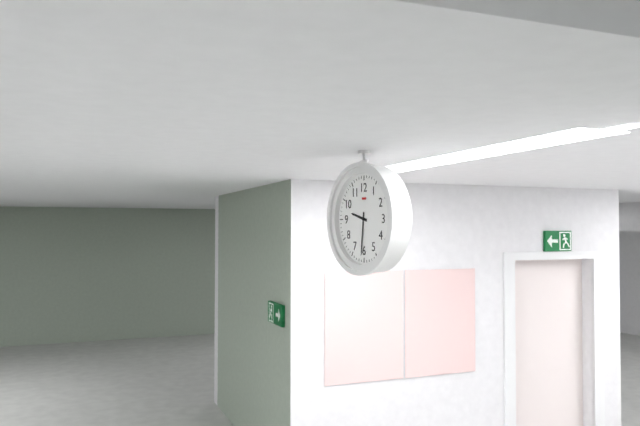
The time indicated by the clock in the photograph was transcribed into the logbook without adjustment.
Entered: 9:31
